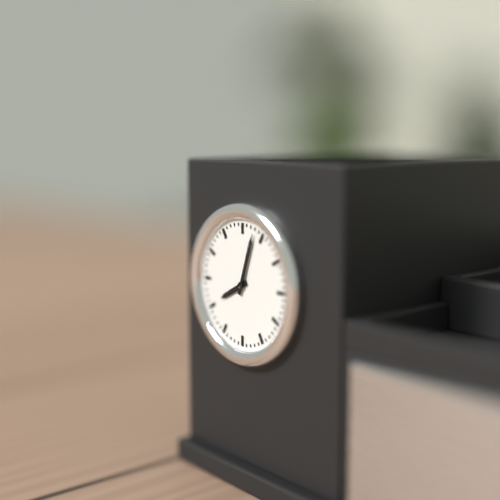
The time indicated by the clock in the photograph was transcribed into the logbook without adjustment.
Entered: 8:03
